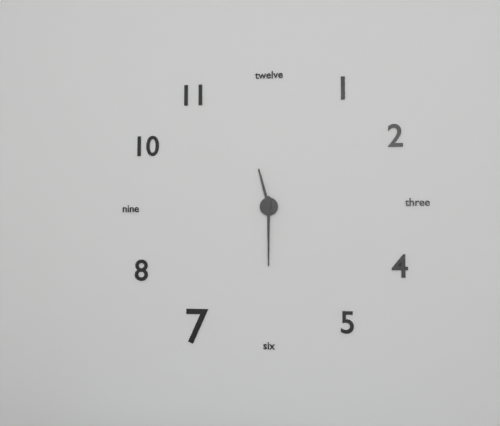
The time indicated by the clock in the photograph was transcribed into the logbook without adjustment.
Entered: 11:30
